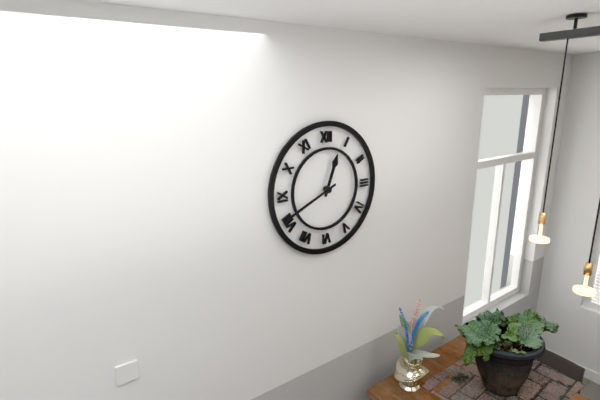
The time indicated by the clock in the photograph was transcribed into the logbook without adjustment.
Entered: 12:41
